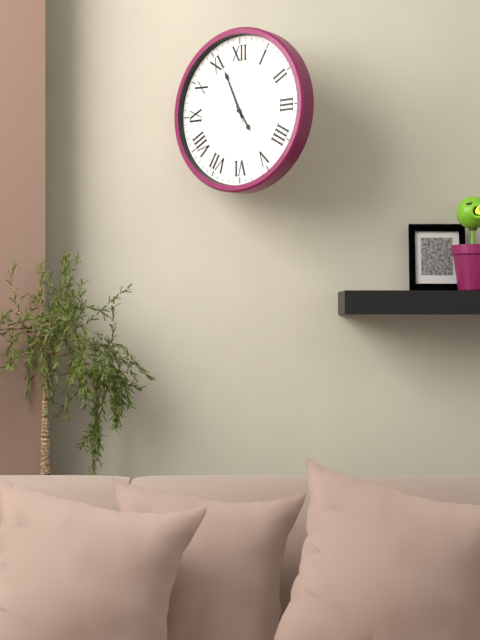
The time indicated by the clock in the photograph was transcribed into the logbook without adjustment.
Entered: 4:56:56
